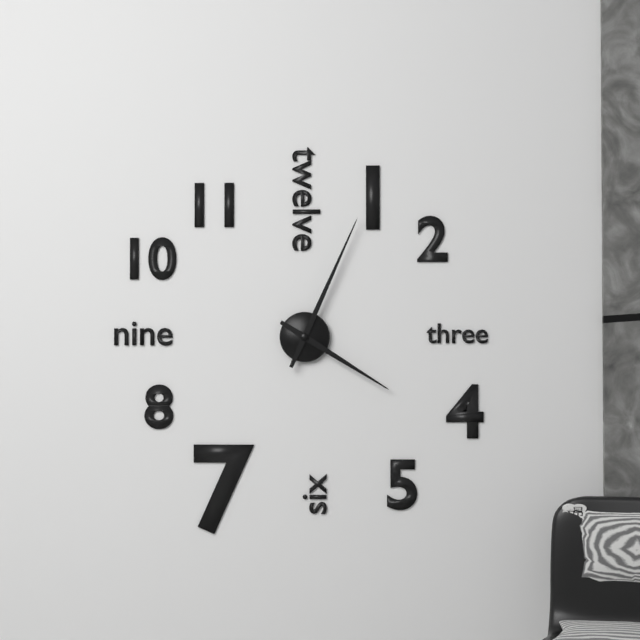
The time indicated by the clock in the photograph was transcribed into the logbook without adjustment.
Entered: 4:04
